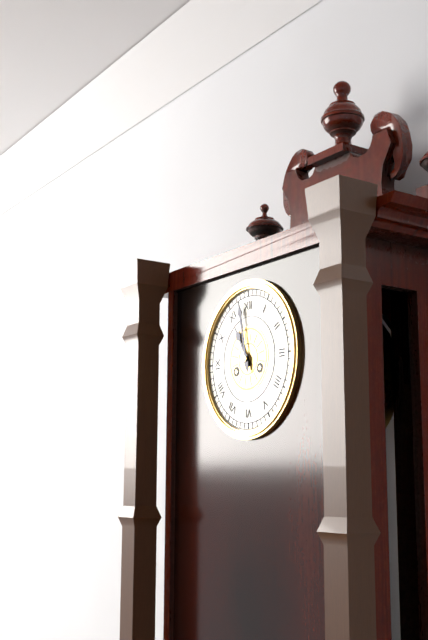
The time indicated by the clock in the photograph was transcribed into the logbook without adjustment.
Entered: 10:58
